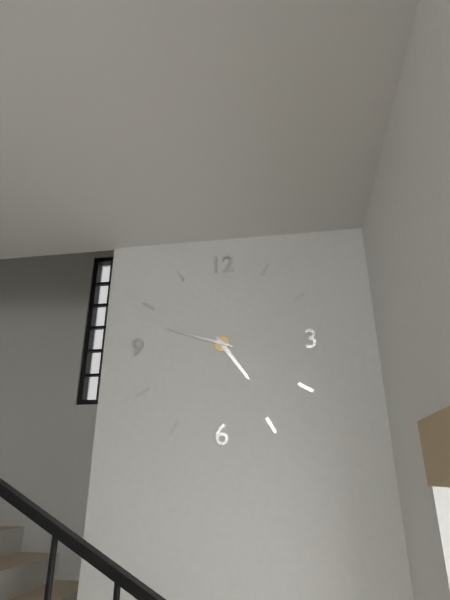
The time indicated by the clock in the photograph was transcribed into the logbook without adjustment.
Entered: 4:48
